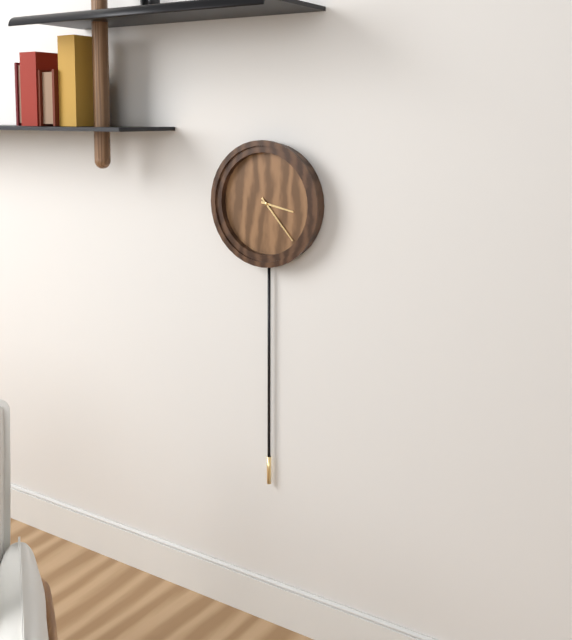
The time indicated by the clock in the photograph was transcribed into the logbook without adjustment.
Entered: 3:23
